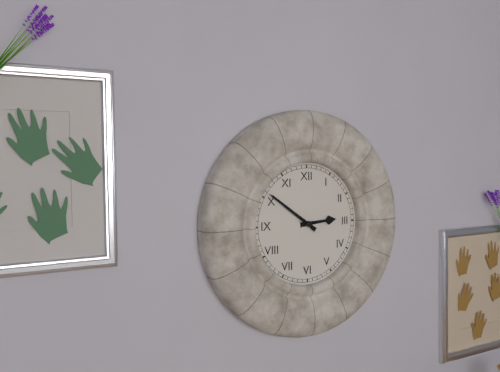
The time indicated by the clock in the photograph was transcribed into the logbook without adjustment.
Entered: 2:51
